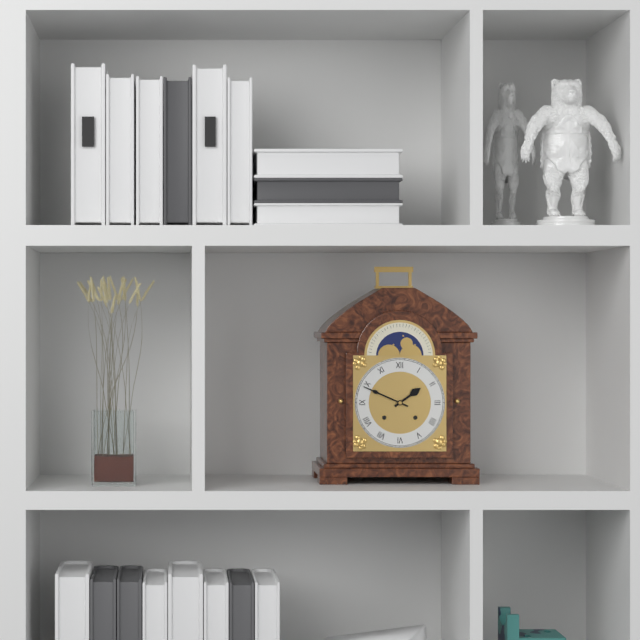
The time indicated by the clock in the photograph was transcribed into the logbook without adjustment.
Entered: 1:49
